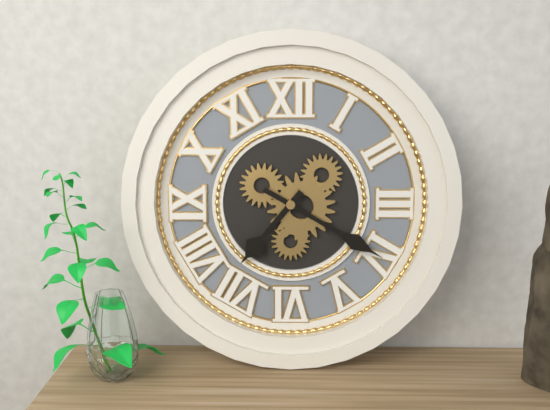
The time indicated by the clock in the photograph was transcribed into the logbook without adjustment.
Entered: 7:20
